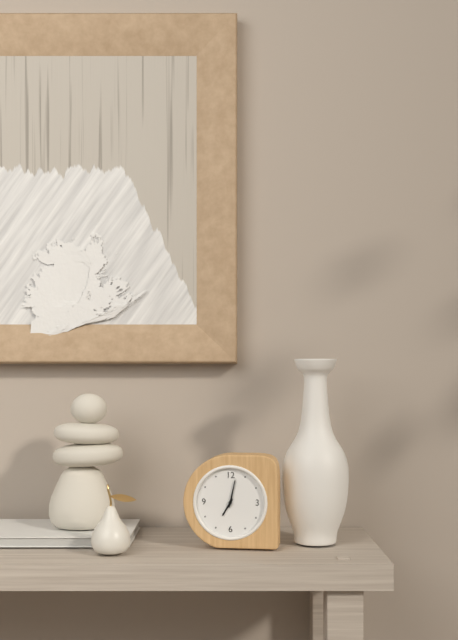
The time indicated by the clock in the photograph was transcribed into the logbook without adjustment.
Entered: 7:02
